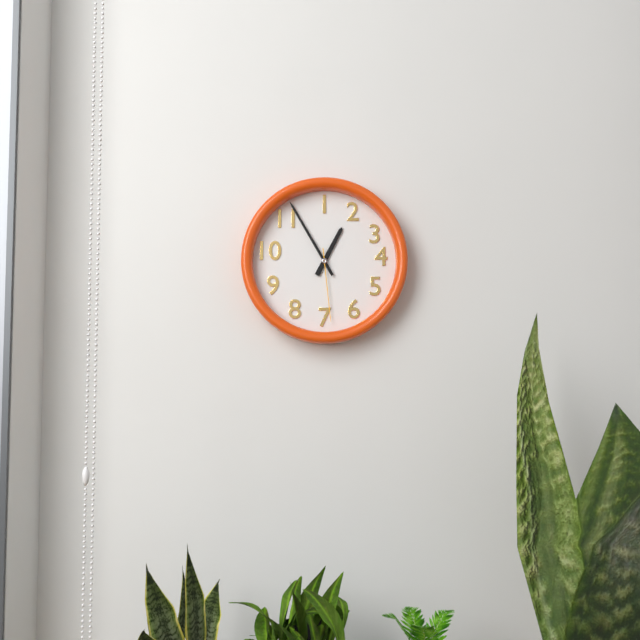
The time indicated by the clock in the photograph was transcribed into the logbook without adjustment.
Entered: 12:55:29
